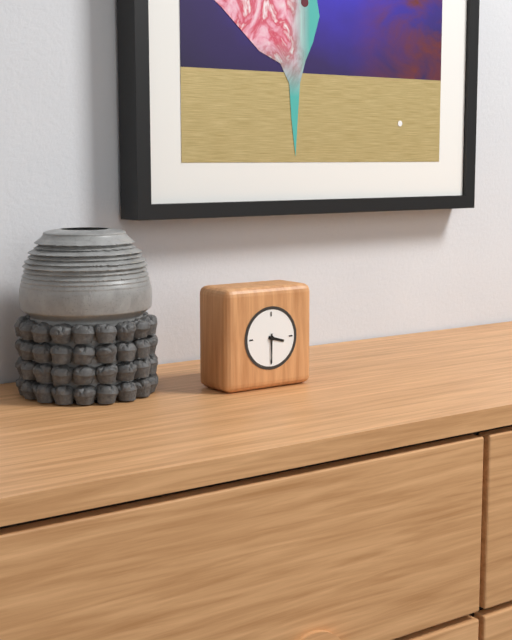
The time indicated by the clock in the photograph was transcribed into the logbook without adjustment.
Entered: 3:30
